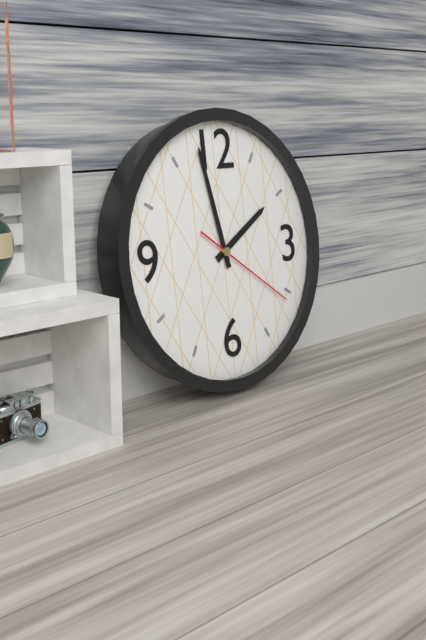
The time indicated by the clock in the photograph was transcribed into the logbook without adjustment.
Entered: 1:58:21
